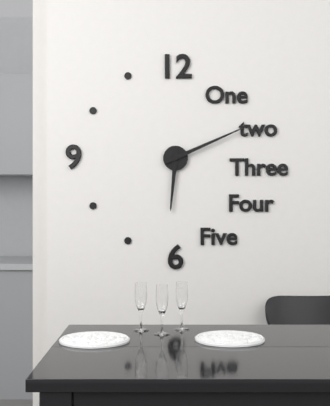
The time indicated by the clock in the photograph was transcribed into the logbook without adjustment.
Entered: 6:11
